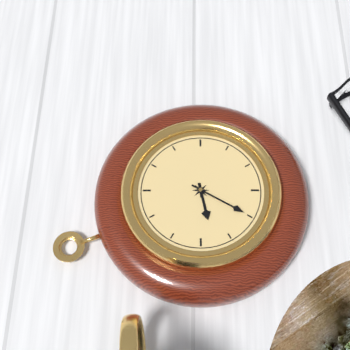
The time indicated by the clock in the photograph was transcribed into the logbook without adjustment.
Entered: 8:35
